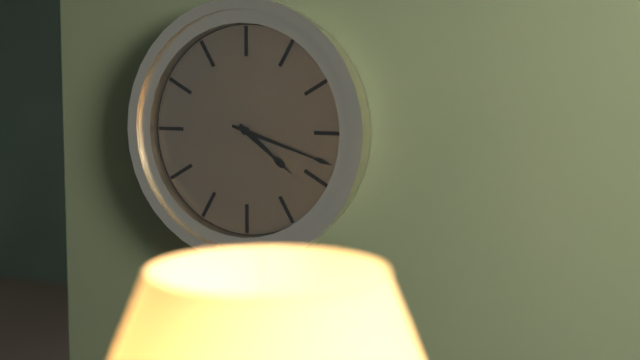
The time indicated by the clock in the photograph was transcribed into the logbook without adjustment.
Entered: 4:18
